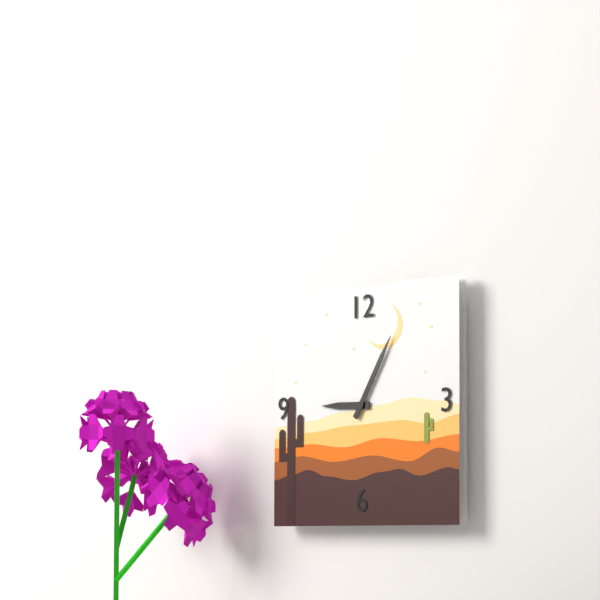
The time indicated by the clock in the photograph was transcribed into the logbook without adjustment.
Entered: 9:05
